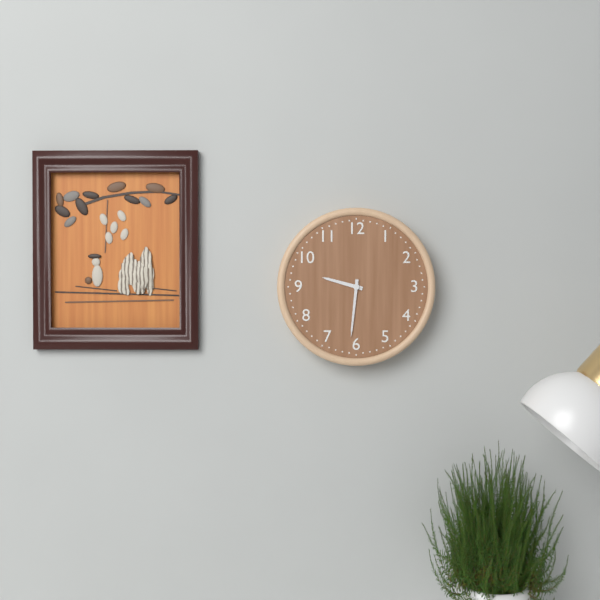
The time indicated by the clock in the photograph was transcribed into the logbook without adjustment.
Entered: 9:31
